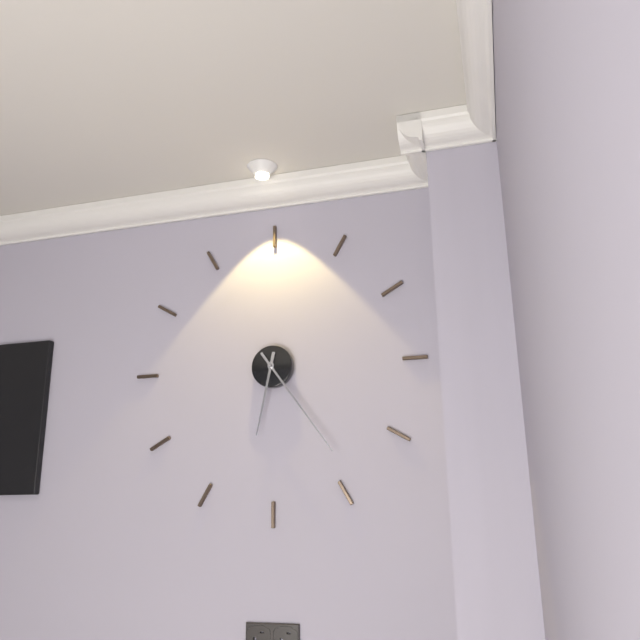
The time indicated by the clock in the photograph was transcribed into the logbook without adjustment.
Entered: 6:24
